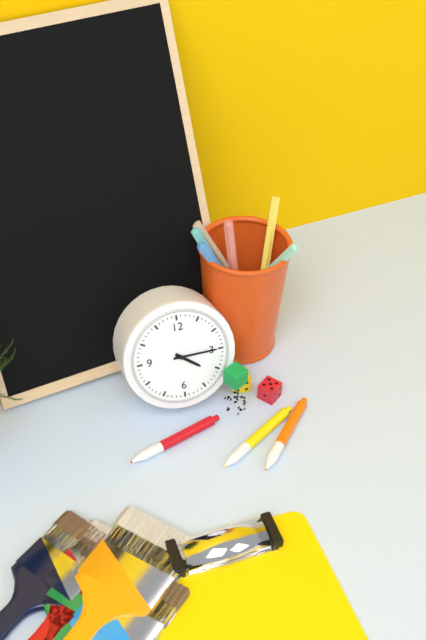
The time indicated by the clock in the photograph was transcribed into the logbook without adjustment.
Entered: 4:15
